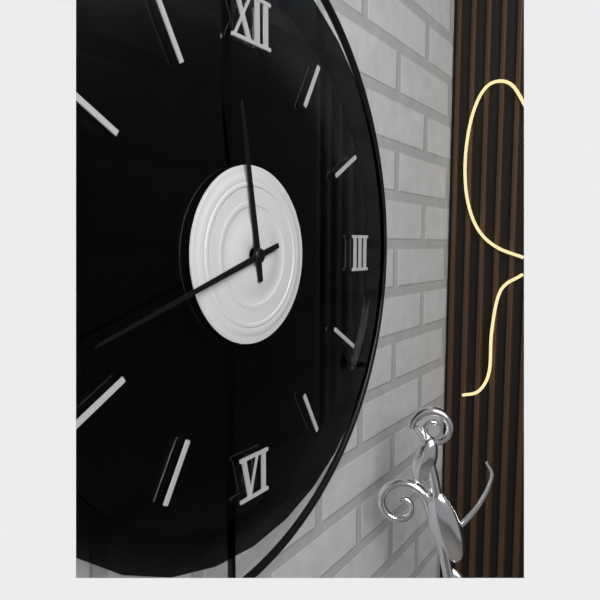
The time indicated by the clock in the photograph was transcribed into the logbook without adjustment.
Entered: 11:42
